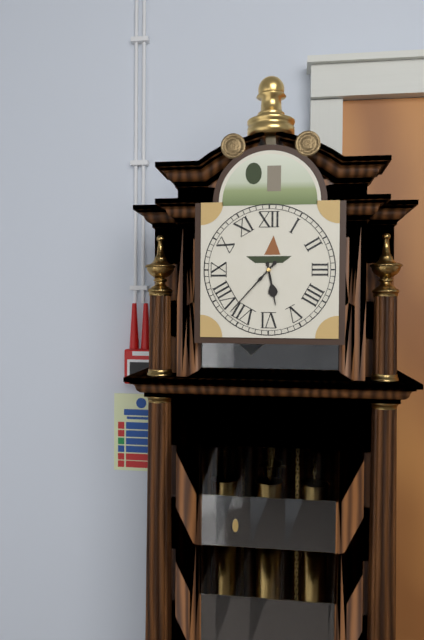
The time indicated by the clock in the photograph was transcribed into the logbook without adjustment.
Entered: 5:37
